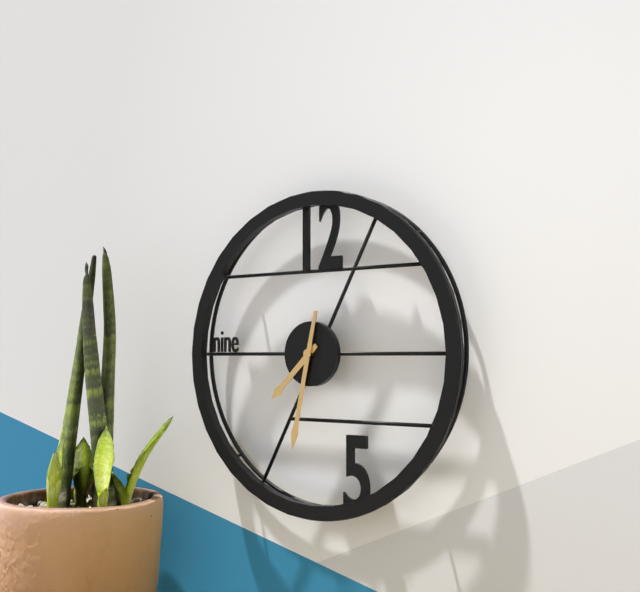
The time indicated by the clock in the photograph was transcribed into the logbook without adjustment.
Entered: 7:32
